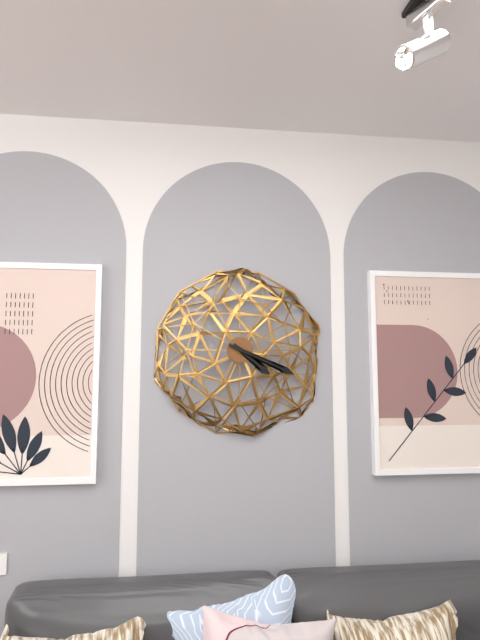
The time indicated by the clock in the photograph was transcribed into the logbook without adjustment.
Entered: 4:19
